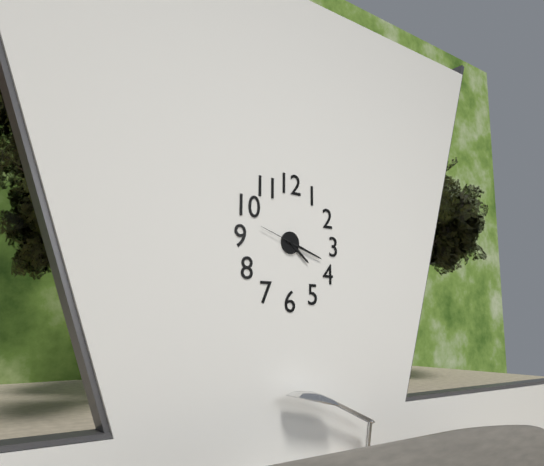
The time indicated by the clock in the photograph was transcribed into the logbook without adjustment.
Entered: 4:18
